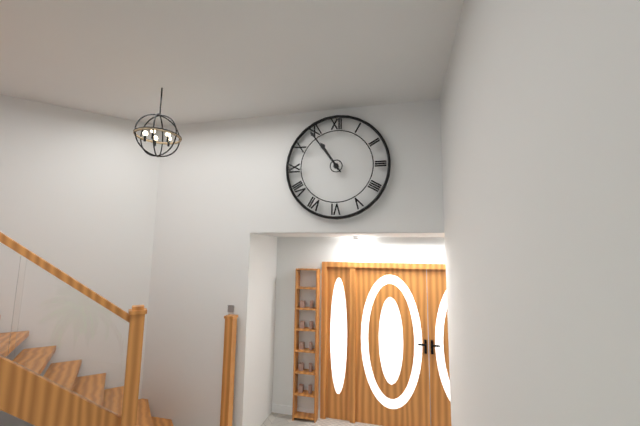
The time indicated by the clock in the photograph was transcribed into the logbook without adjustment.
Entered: 10:54
